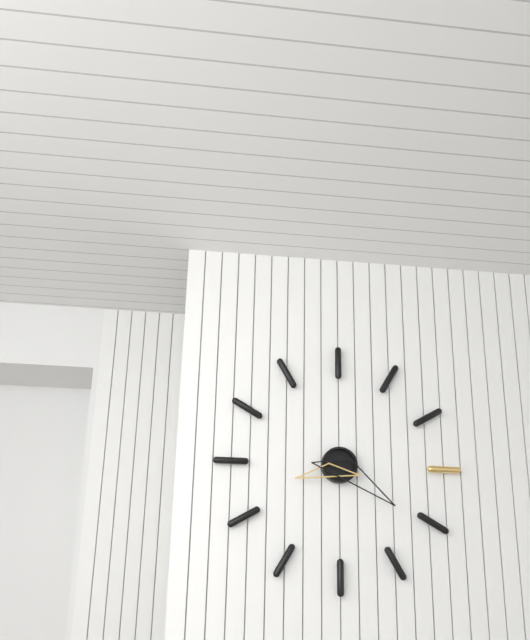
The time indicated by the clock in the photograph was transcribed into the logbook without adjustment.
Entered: 8:21
